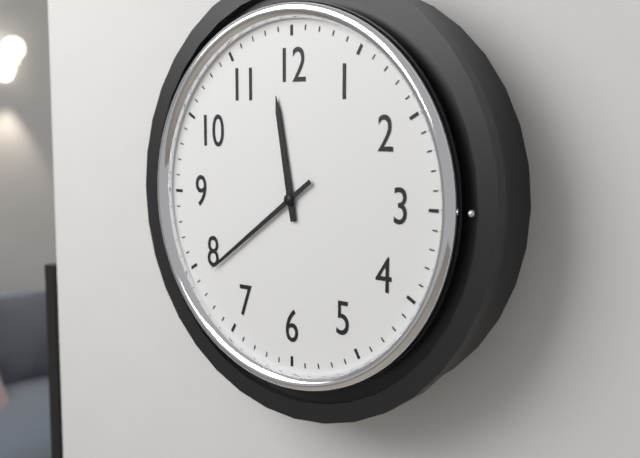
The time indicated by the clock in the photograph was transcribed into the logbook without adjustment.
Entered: 11:39
